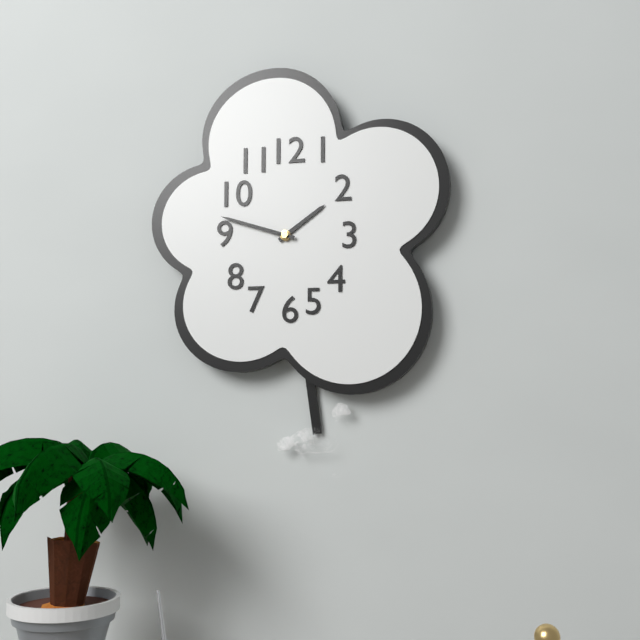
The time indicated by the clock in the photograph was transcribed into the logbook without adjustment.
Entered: 1:48
